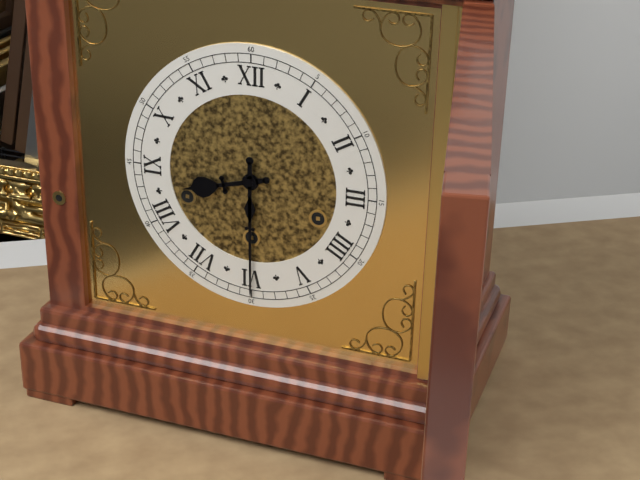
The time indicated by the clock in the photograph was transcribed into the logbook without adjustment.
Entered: 8:30
